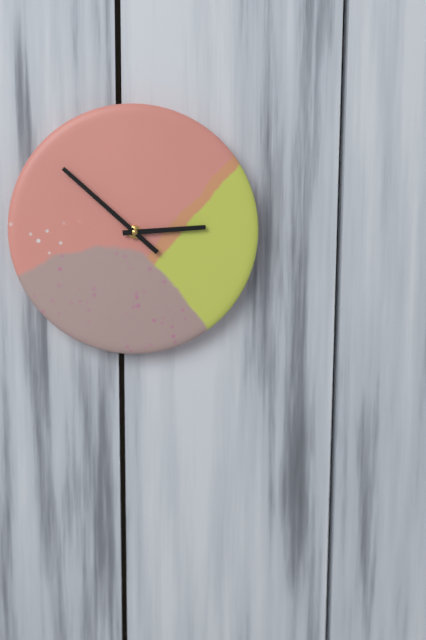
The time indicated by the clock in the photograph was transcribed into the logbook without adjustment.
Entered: 2:52
